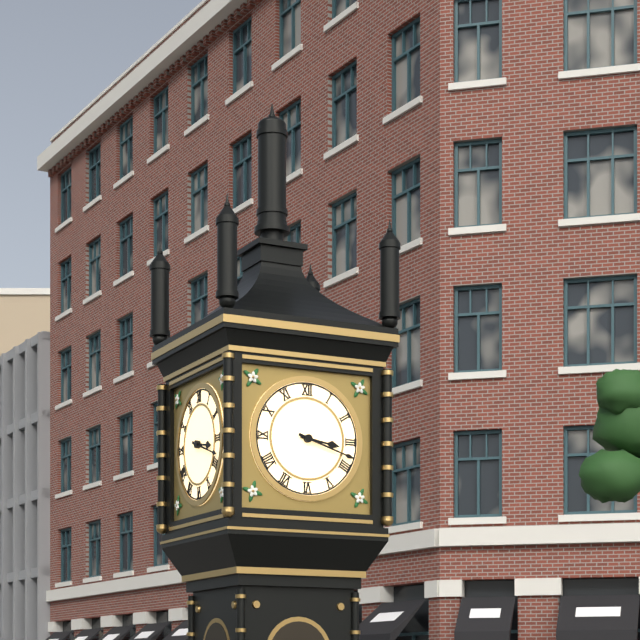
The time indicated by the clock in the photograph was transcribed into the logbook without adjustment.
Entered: 3:18
